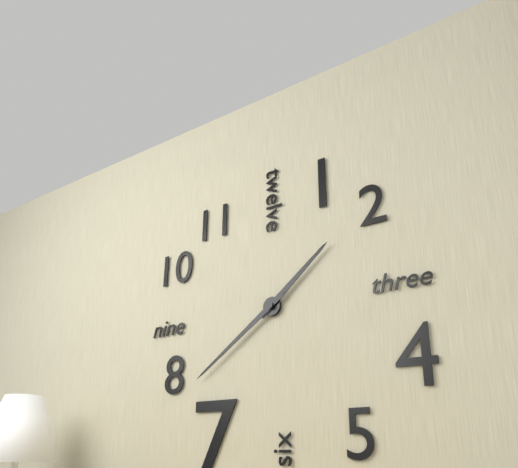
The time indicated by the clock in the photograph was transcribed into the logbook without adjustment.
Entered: 1:39
